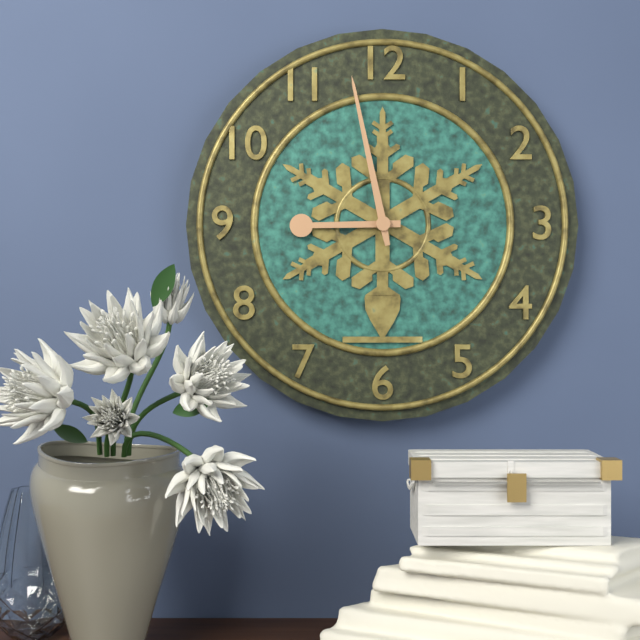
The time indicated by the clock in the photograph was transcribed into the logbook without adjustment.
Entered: 8:58
